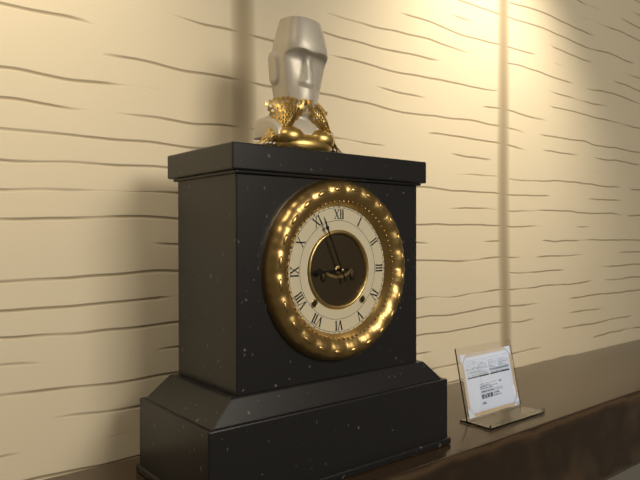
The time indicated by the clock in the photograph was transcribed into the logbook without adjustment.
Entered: 8:56
